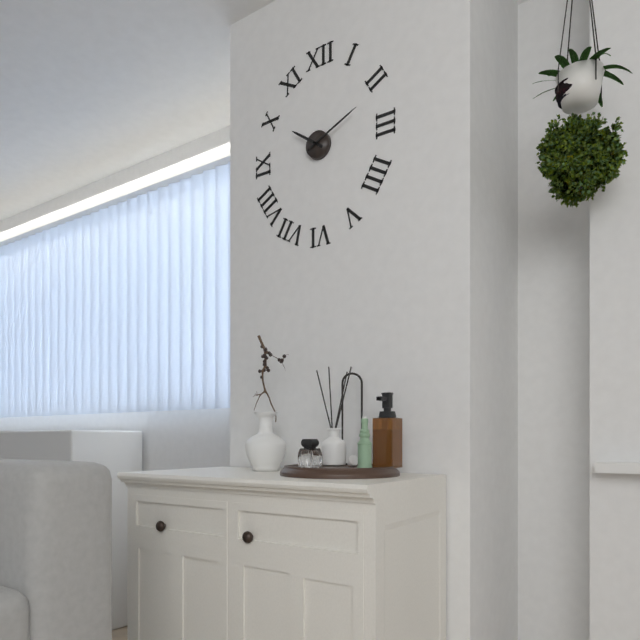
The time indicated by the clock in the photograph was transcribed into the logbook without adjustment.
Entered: 10:11
